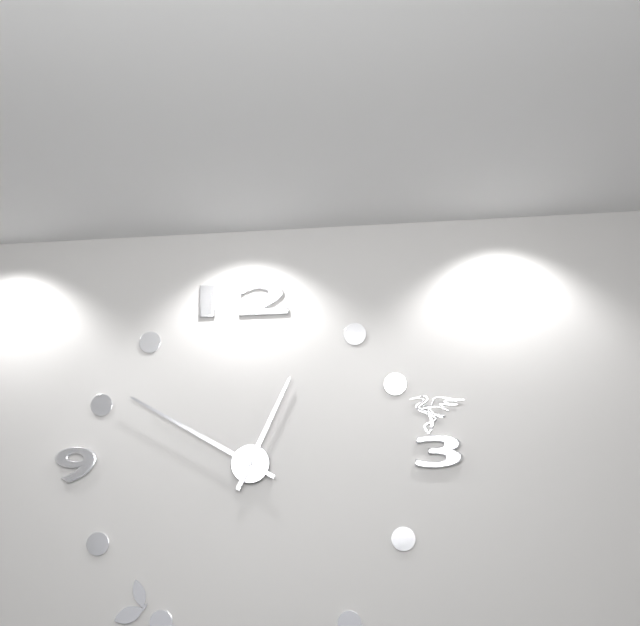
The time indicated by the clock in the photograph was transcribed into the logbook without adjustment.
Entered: 12:50
